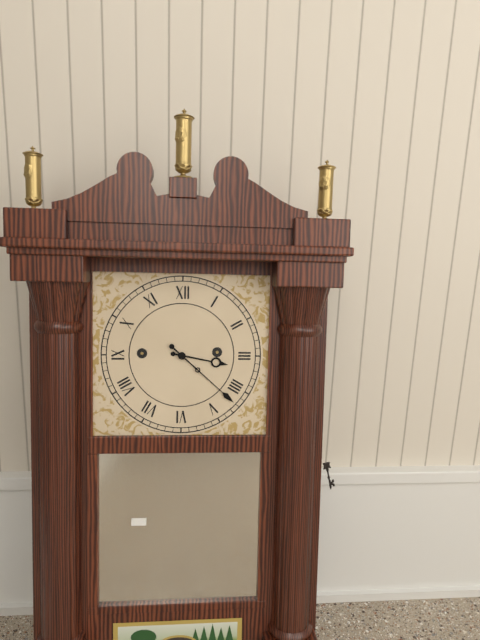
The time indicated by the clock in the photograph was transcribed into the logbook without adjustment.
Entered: 3:22
